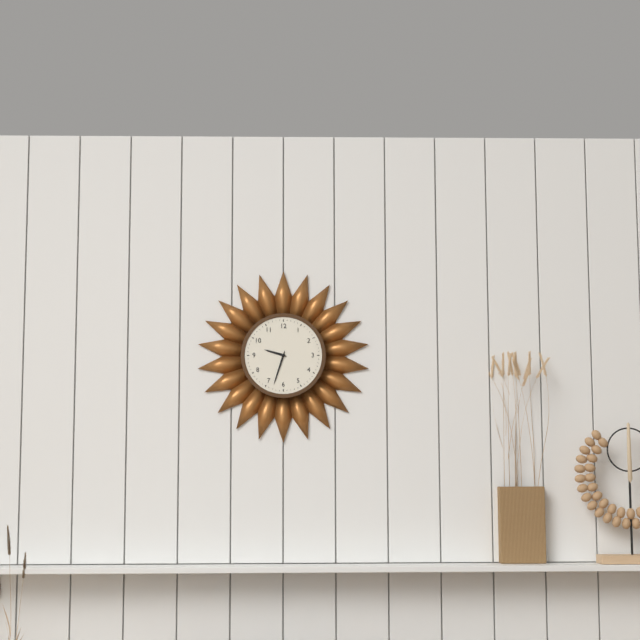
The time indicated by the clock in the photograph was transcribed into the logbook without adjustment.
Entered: 9:33
